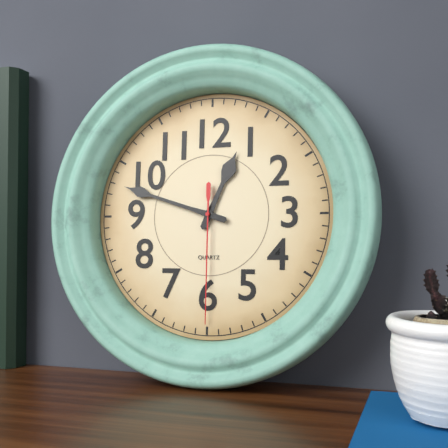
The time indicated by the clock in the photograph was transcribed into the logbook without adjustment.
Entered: 12:48:30
